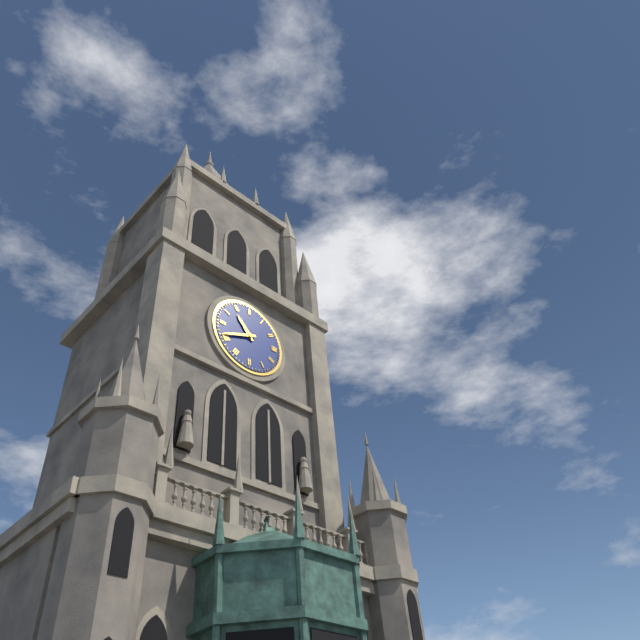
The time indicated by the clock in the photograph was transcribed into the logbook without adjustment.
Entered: 10:41
